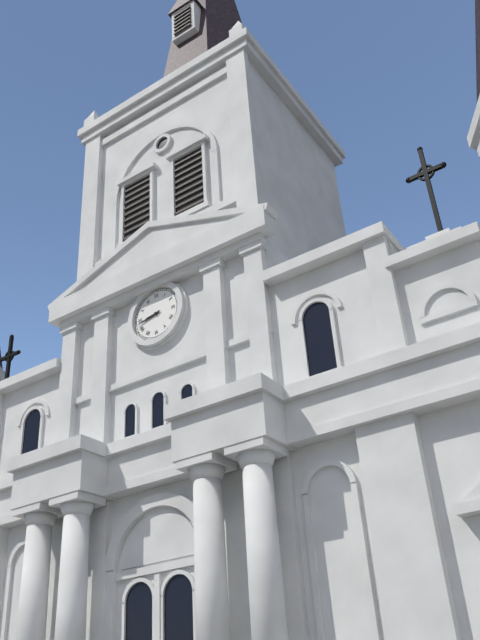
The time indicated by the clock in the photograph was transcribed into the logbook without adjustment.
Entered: 8:43
